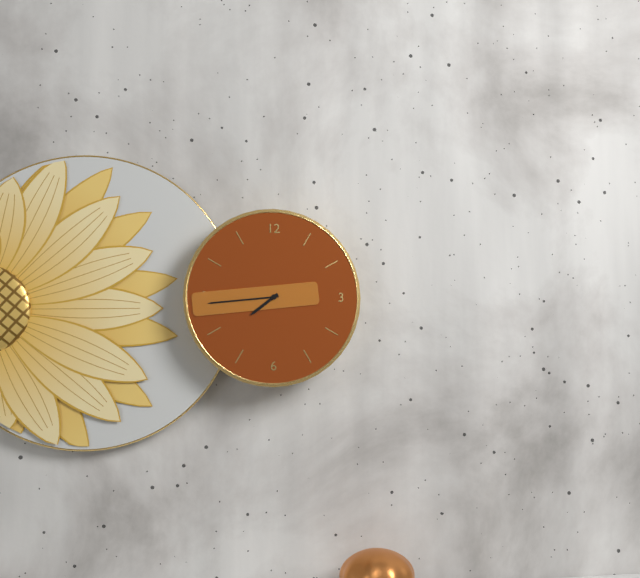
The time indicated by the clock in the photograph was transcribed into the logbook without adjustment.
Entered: 7:44
